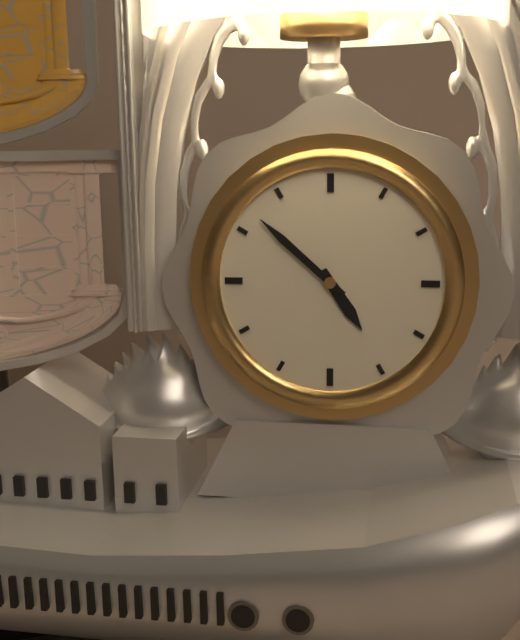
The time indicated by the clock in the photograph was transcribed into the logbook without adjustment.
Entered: 4:52
